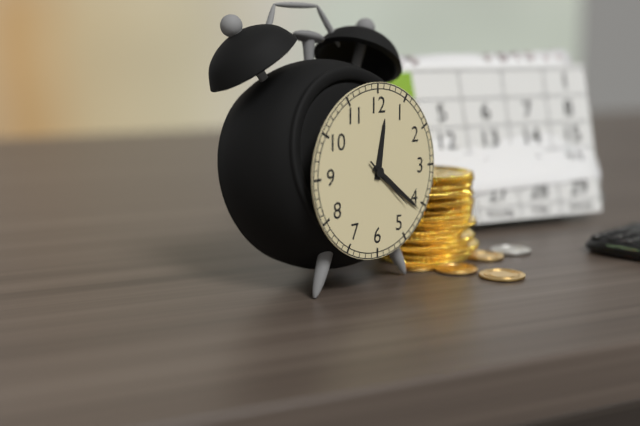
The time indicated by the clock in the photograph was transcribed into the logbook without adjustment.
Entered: 12:21:22
